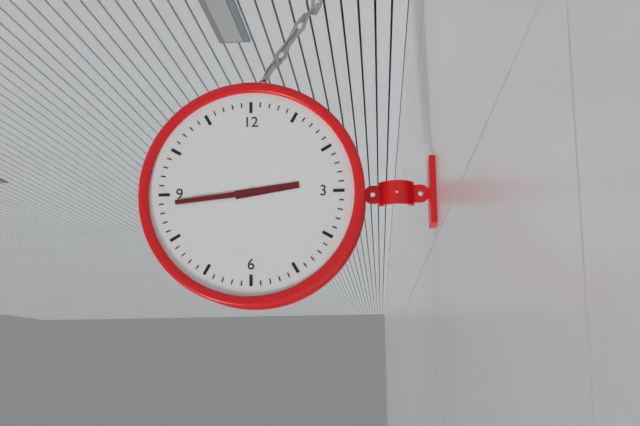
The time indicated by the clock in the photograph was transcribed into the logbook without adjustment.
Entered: 2:44
